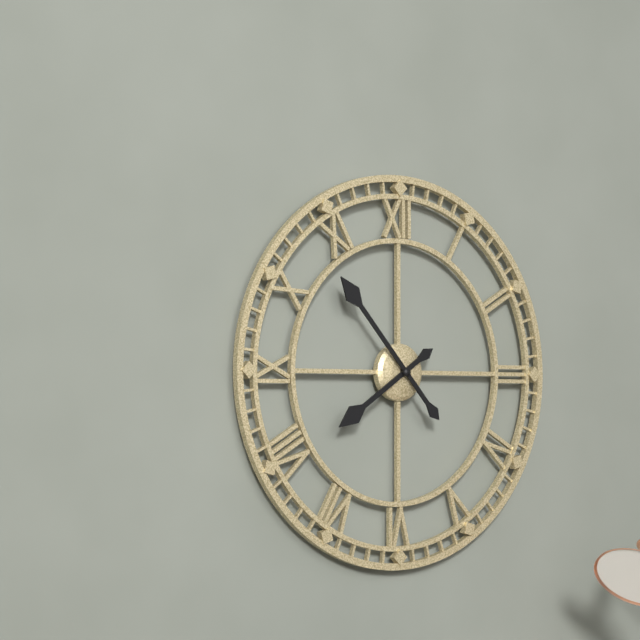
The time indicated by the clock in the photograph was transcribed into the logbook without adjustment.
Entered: 7:53
